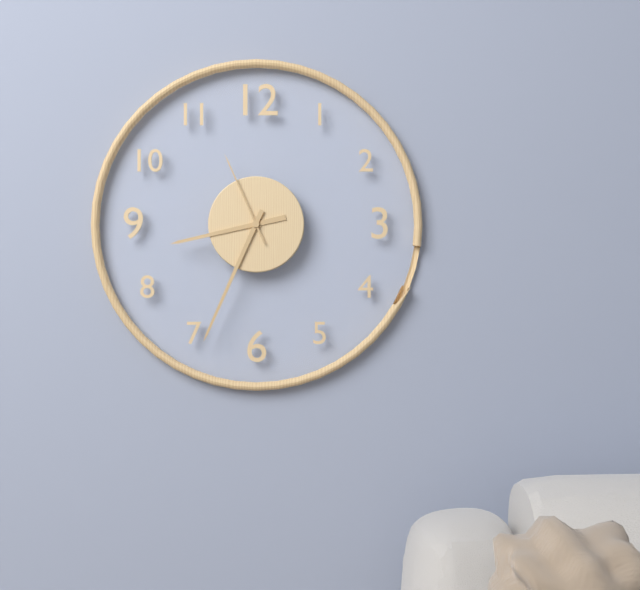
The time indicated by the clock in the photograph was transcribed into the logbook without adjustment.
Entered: 8:34:56
